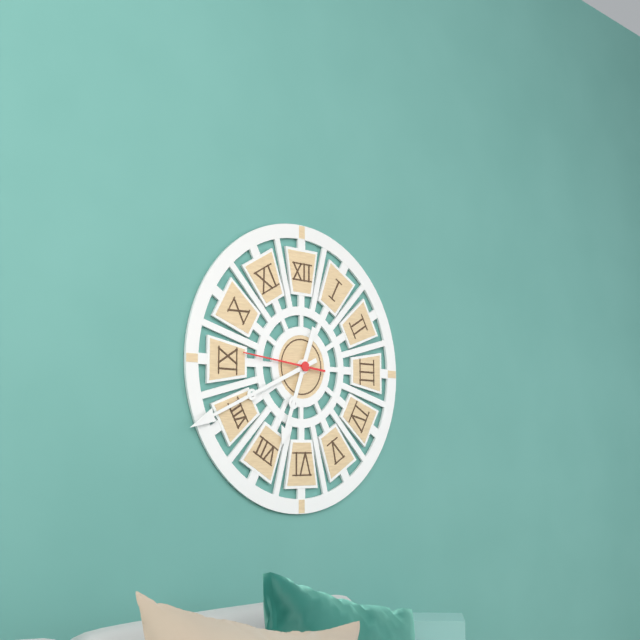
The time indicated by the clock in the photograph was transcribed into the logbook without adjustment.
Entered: 6:41:46
